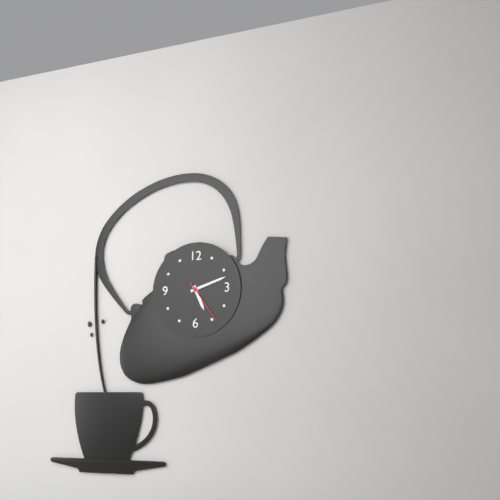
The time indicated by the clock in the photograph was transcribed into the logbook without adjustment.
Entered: 5:12
